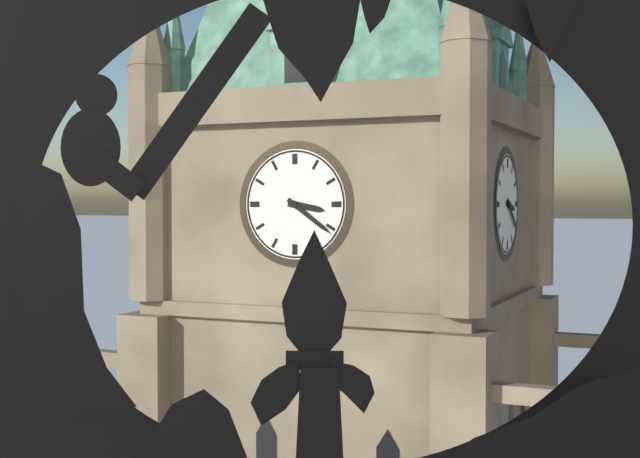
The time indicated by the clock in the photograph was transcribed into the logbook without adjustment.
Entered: 3:21
